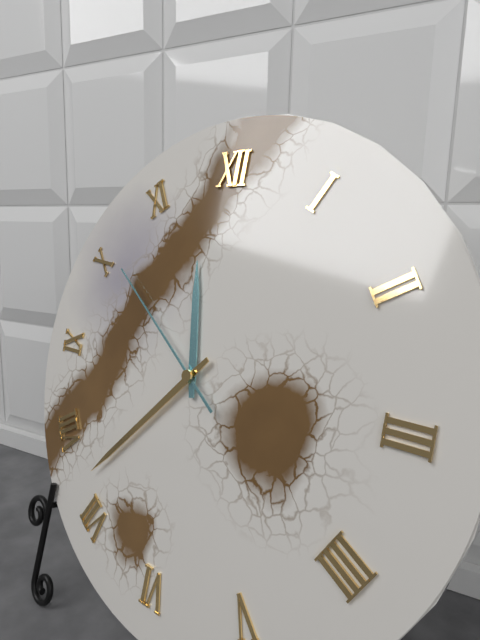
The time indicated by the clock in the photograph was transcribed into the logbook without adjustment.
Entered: 11:37:51
